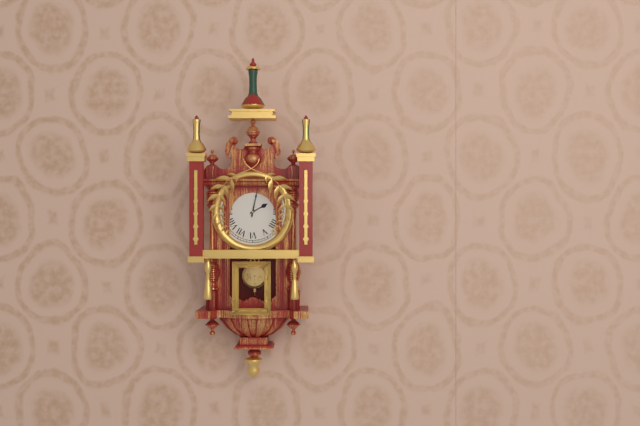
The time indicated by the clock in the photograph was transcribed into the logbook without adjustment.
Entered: 2:02
